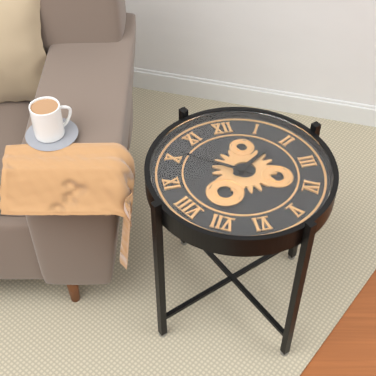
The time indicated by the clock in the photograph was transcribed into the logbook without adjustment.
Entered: 1:51
